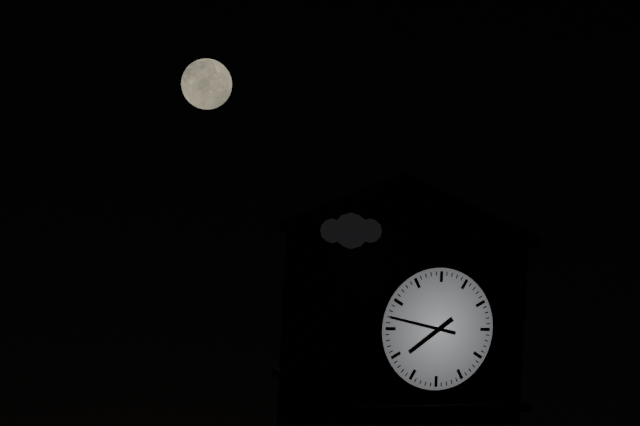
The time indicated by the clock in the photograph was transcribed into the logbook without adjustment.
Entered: 7:47
